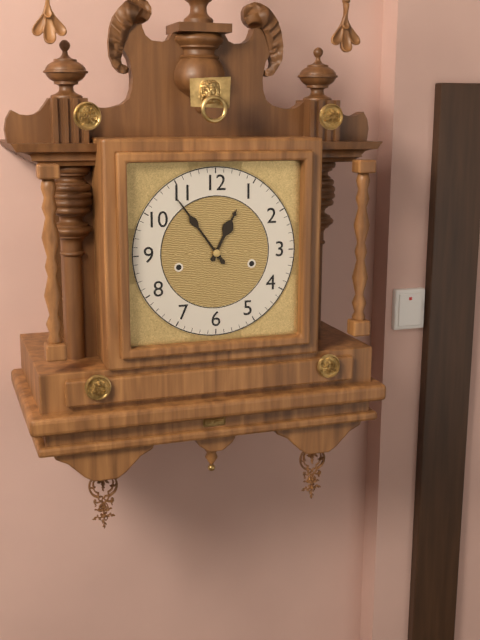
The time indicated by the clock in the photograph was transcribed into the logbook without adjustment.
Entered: 12:54
